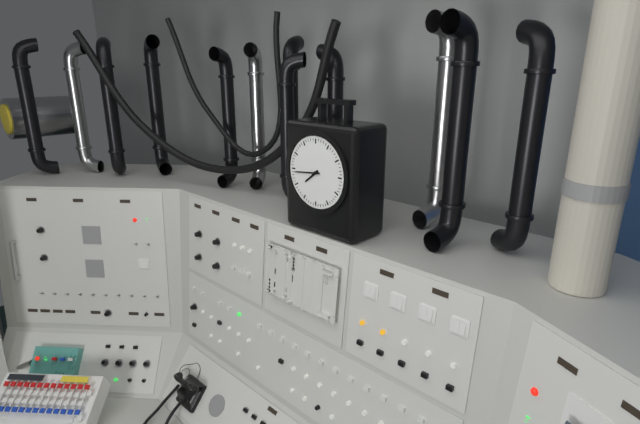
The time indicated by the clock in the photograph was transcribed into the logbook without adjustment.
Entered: 7:44
